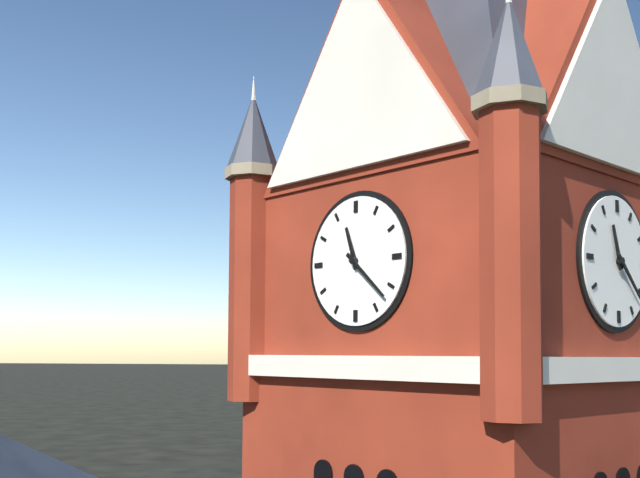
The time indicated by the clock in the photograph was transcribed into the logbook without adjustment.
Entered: 11:22
